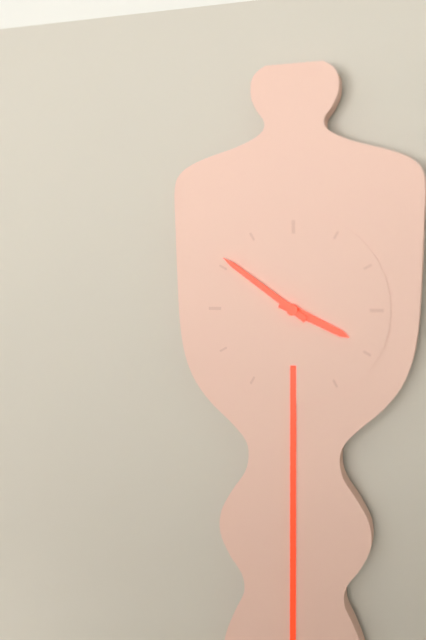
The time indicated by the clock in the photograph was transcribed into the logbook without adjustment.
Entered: 3:51
